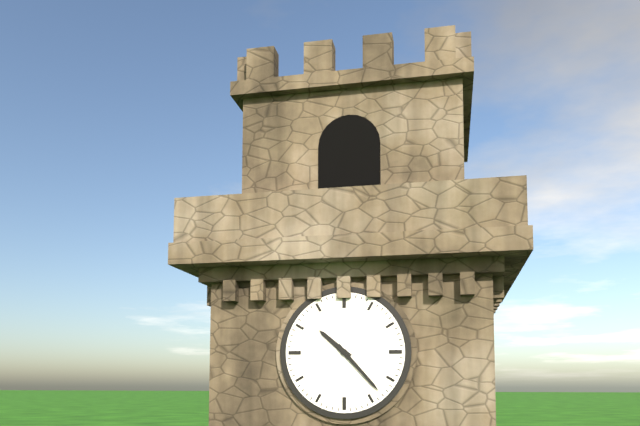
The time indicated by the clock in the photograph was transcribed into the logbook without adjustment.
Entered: 10:23
